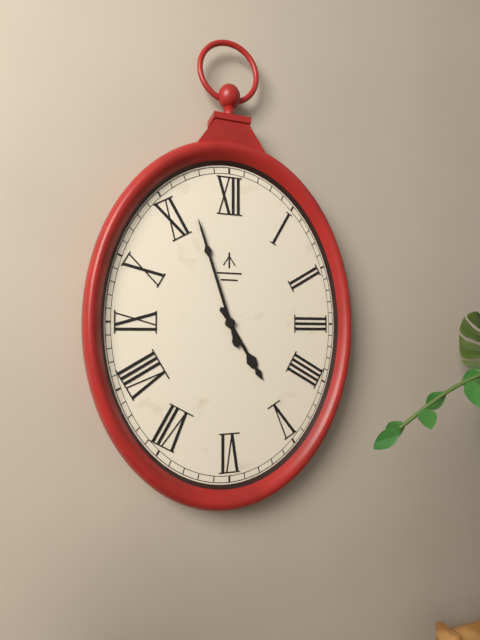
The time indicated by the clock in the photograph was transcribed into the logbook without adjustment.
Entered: 4:57
